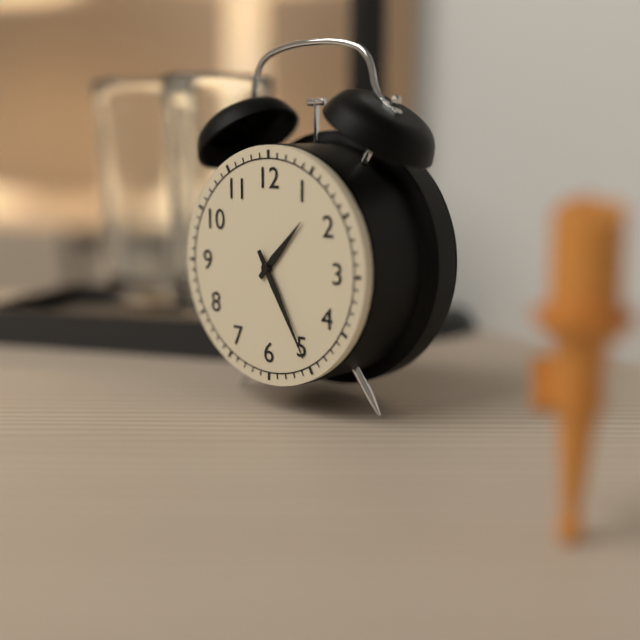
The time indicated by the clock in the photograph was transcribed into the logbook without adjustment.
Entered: 1:25
